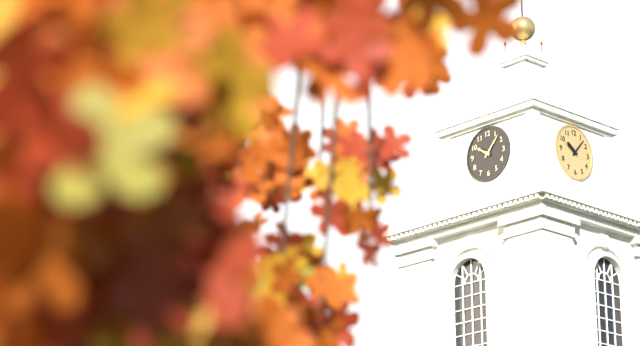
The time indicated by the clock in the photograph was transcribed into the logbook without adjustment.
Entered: 10:07
